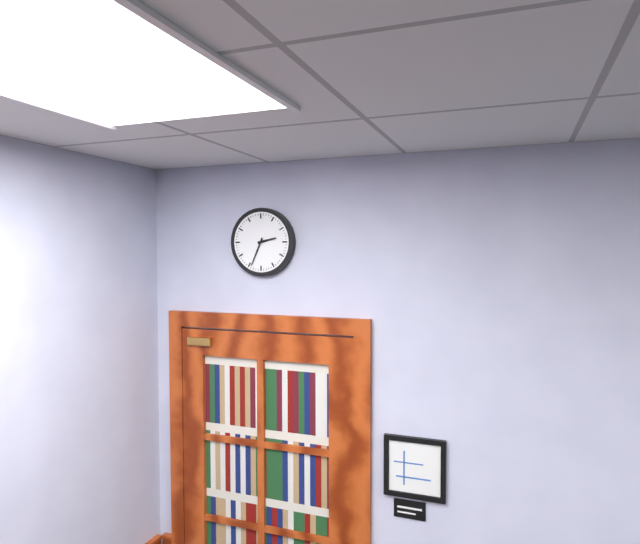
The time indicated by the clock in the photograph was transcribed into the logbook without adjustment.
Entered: 2:34
